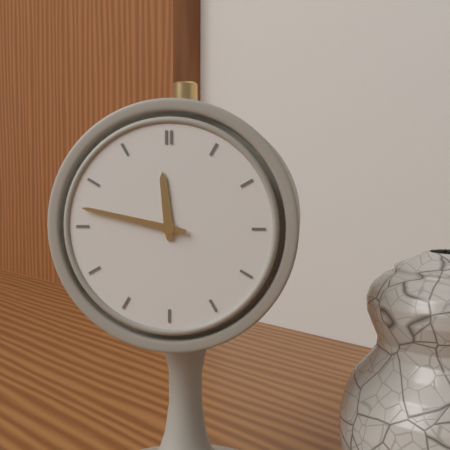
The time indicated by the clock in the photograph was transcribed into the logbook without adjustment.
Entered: 11:47
